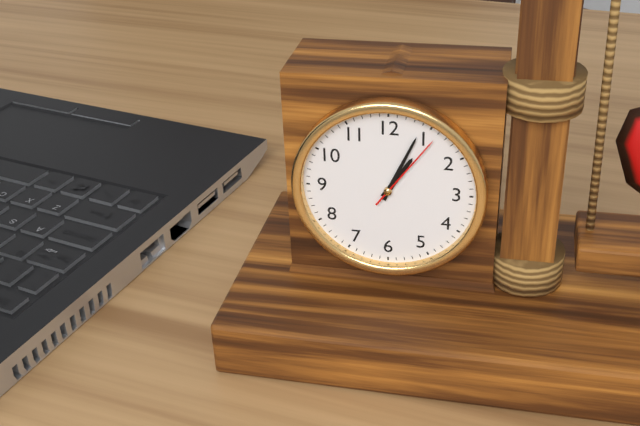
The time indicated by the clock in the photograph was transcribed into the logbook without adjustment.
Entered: 1:04:06
